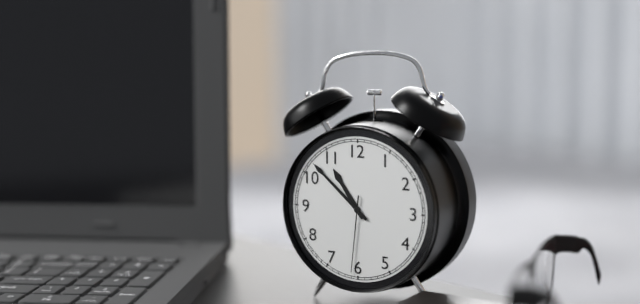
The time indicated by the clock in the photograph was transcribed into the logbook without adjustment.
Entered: 10:52:31
